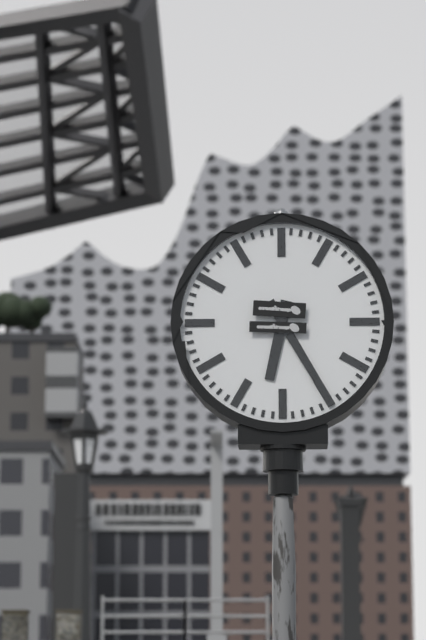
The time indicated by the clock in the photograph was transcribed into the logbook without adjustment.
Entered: 6:25
